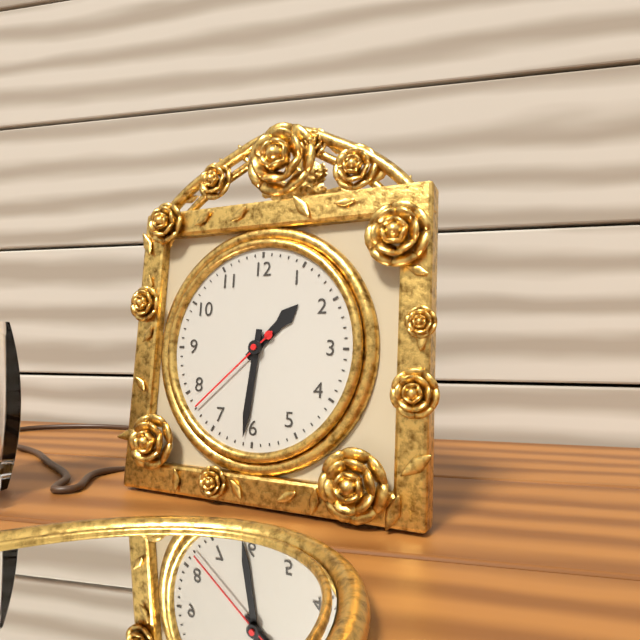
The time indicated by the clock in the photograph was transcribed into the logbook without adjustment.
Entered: 1:31:38
